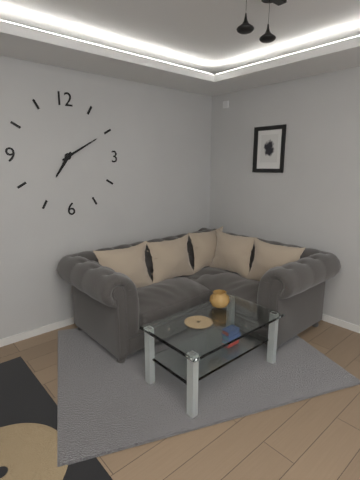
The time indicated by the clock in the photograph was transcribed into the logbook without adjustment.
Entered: 7:10
